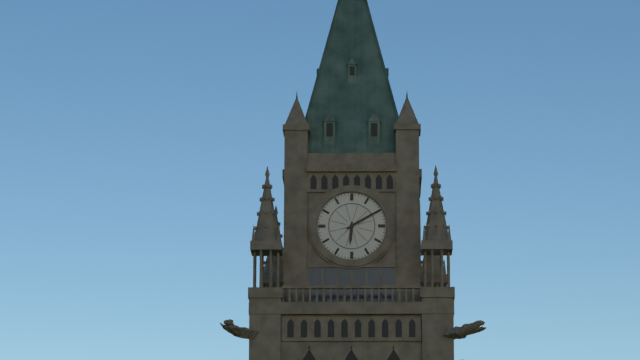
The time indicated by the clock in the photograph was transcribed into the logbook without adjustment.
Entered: 6:10
